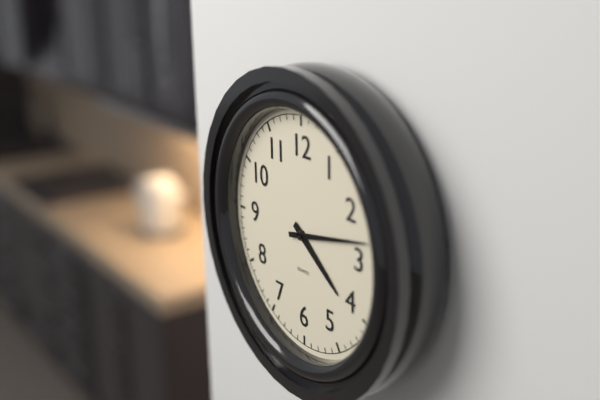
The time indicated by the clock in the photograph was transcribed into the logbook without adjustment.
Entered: 4:13
